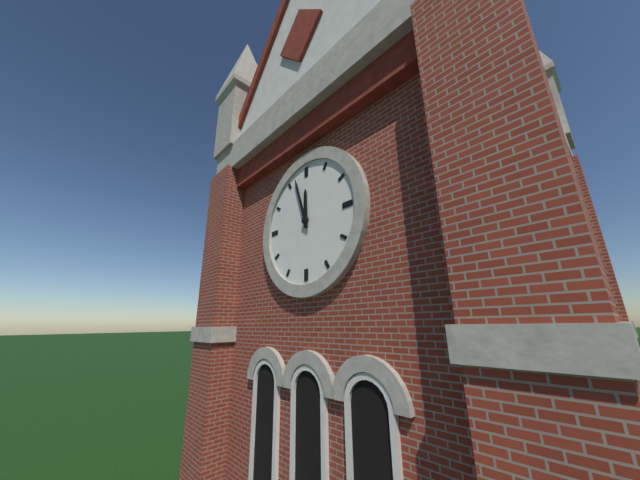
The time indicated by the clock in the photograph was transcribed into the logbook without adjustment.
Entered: 11:57
